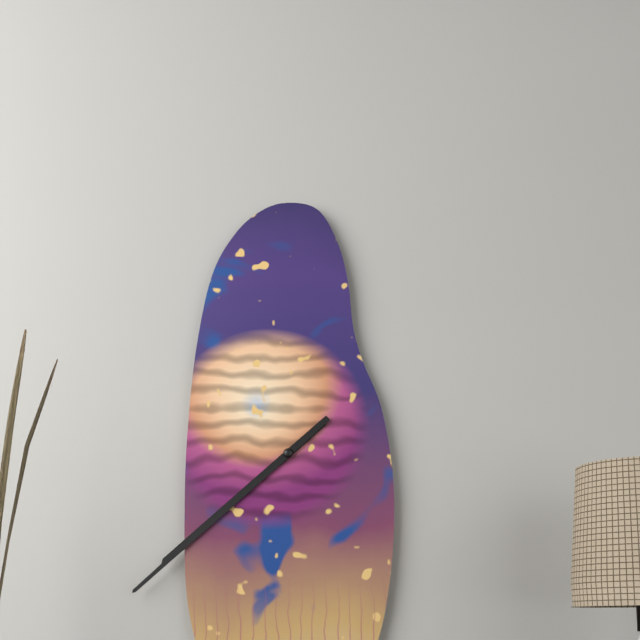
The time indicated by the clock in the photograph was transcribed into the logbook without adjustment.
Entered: 7:38
